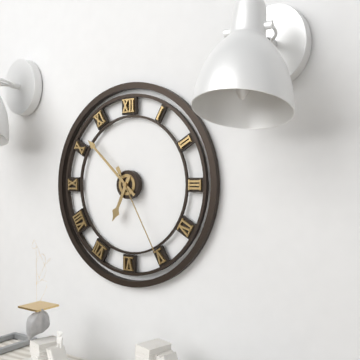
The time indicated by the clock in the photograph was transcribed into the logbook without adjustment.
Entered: 6:52:25
